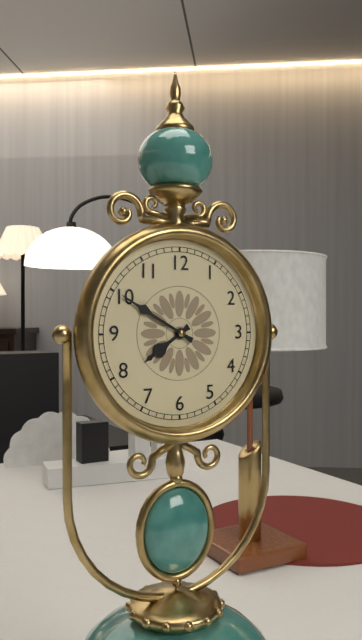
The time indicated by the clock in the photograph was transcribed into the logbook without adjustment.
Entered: 7:50
